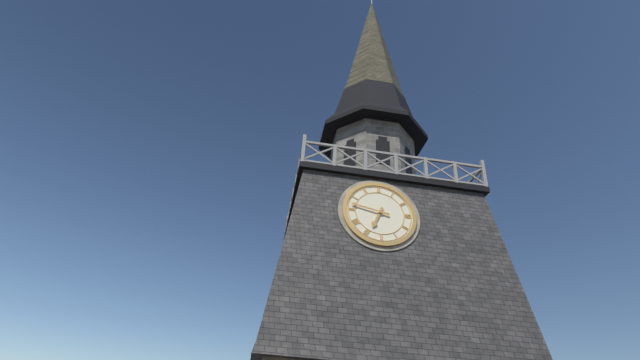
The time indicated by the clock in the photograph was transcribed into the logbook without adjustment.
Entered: 6:47
